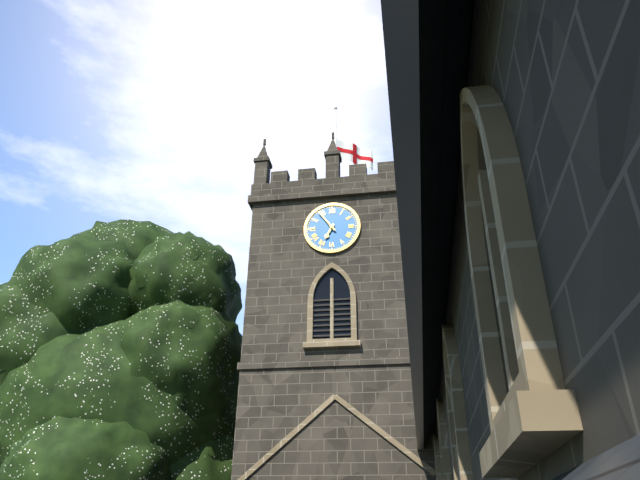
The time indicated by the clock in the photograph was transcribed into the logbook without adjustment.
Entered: 6:54
